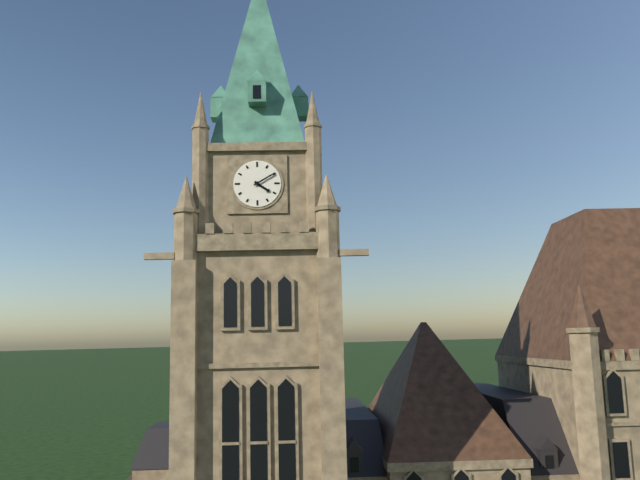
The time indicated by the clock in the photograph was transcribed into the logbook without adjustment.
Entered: 4:10
